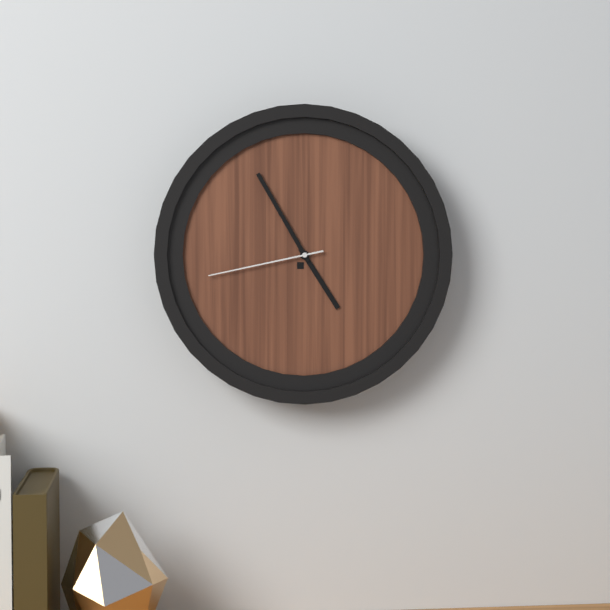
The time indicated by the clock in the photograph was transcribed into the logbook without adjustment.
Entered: 4:55:43
